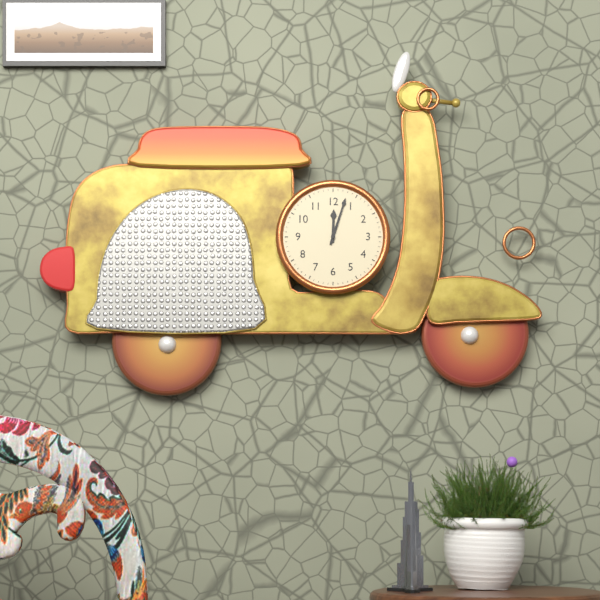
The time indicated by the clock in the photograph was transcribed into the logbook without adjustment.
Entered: 12:03
